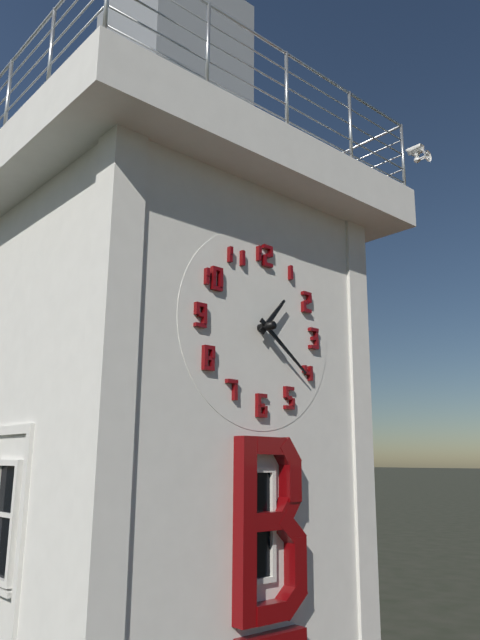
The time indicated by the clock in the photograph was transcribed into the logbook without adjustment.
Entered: 1:21
